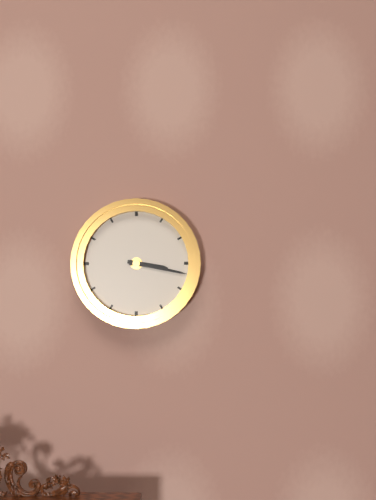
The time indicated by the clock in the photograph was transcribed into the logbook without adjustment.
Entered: 3:17
